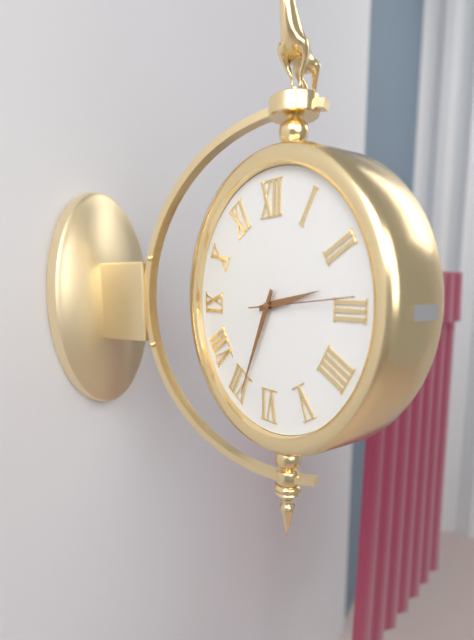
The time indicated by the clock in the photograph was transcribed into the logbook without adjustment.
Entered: 2:34:14
